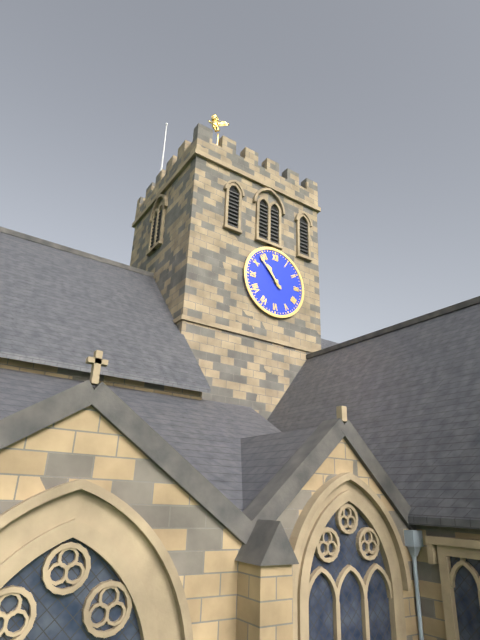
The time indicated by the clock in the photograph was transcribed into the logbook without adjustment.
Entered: 10:53
